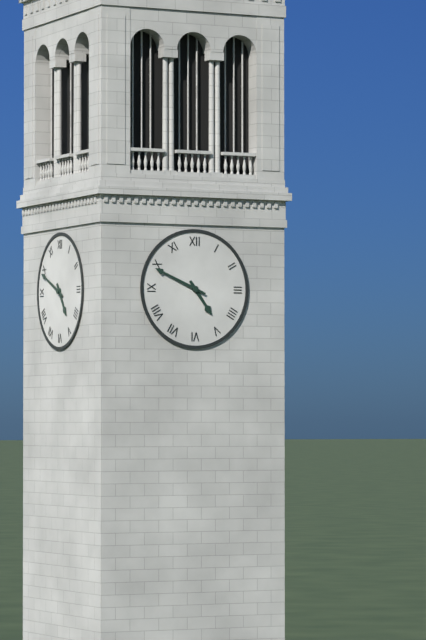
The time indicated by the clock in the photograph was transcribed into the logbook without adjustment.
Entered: 4:49
